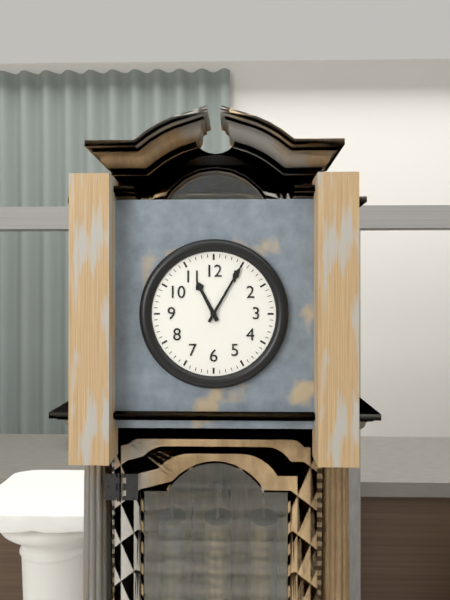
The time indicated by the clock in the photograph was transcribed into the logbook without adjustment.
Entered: 11:05
